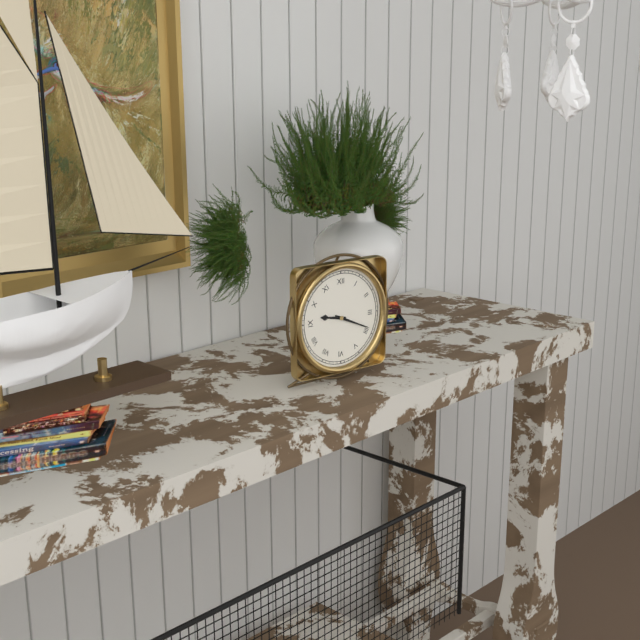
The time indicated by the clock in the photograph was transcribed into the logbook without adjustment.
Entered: 9:19
